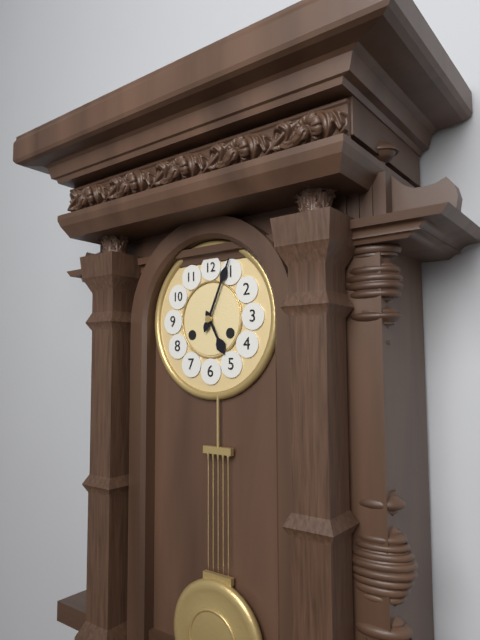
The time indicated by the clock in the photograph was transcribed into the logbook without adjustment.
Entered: 5:04
